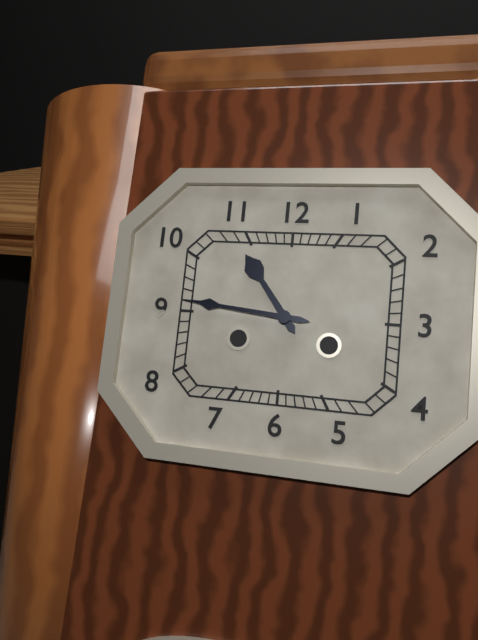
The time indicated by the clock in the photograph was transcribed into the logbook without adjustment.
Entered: 10:46
